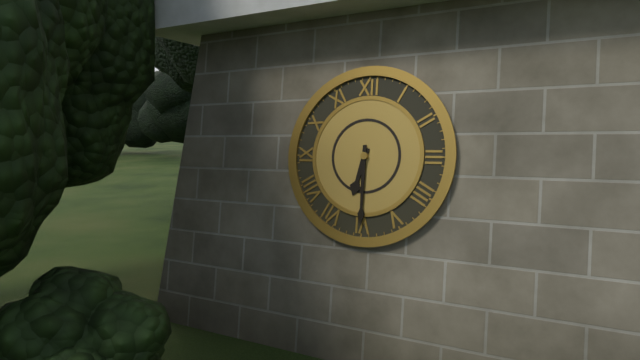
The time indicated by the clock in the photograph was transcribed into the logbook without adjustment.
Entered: 6:30
